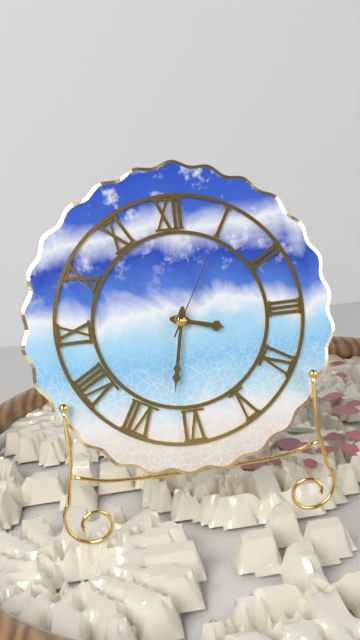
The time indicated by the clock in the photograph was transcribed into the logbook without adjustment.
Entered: 3:32:05
